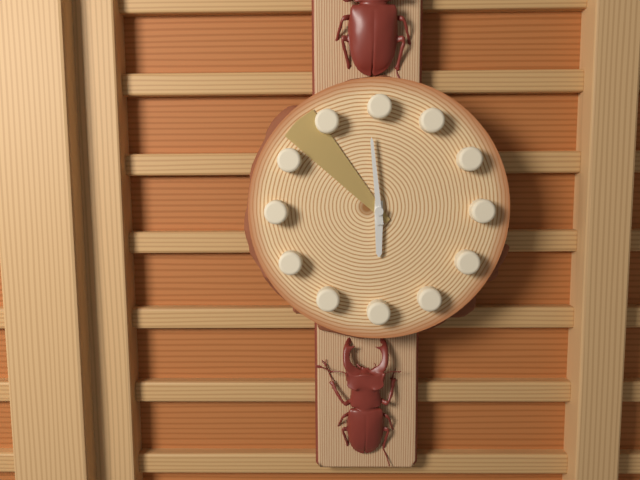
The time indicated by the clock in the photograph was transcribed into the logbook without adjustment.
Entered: 5:59:53
